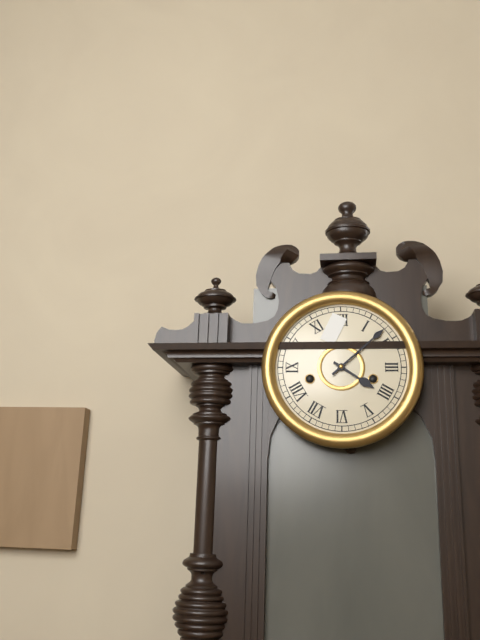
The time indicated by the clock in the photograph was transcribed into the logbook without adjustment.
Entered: 4:08
